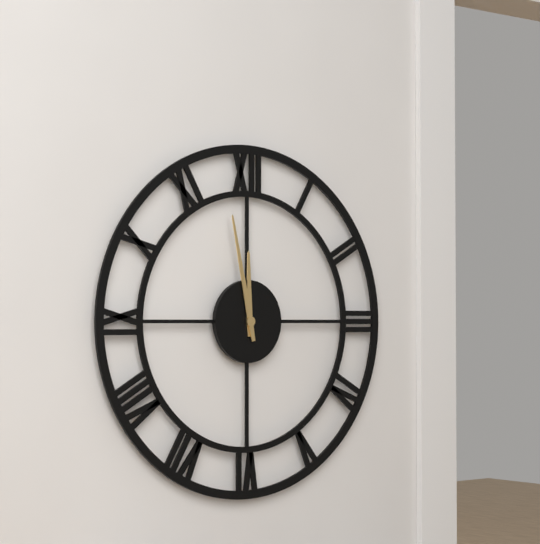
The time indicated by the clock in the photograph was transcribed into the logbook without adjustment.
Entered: 11:58
